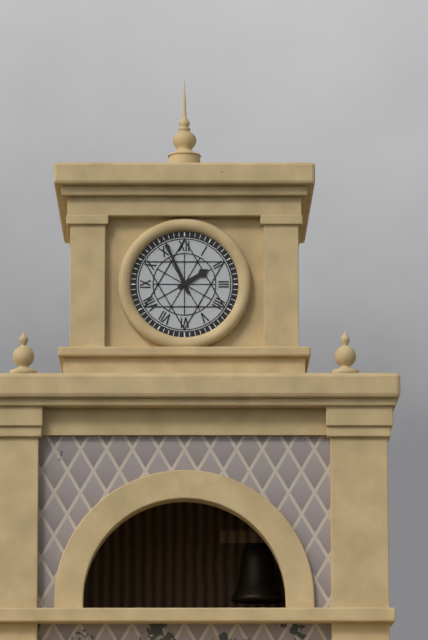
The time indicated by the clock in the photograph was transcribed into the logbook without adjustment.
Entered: 1:56
